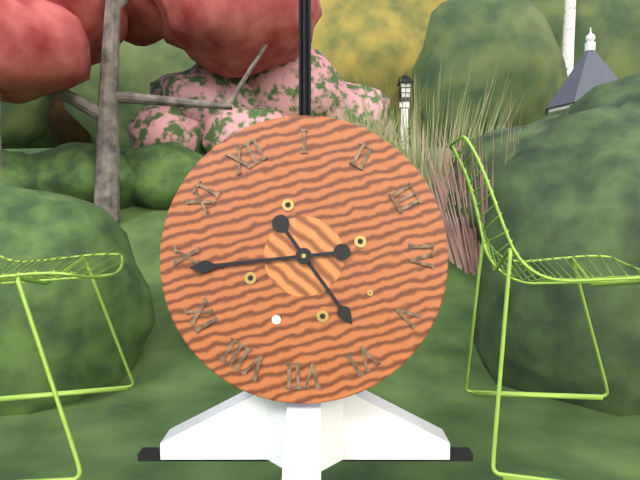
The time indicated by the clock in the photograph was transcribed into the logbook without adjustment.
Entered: 5:49
